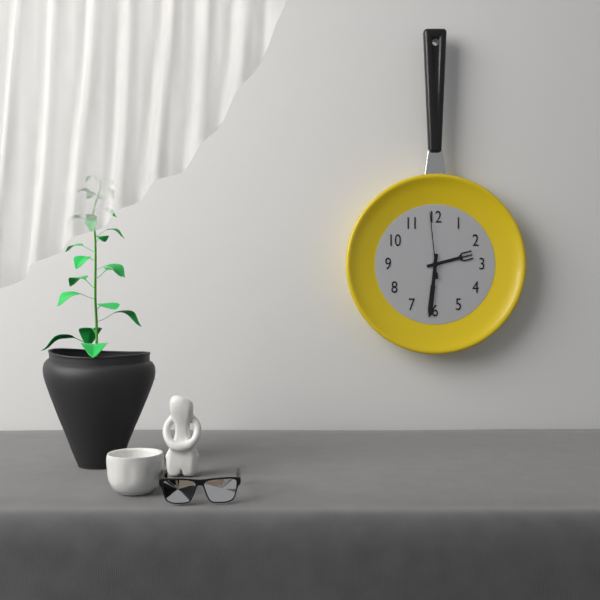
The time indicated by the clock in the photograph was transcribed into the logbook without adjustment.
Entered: 2:31:59
